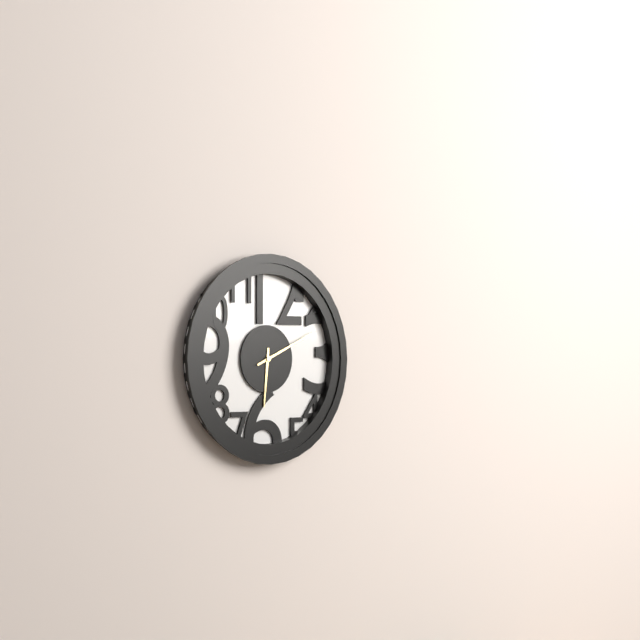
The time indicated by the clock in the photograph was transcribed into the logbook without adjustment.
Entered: 6:11
